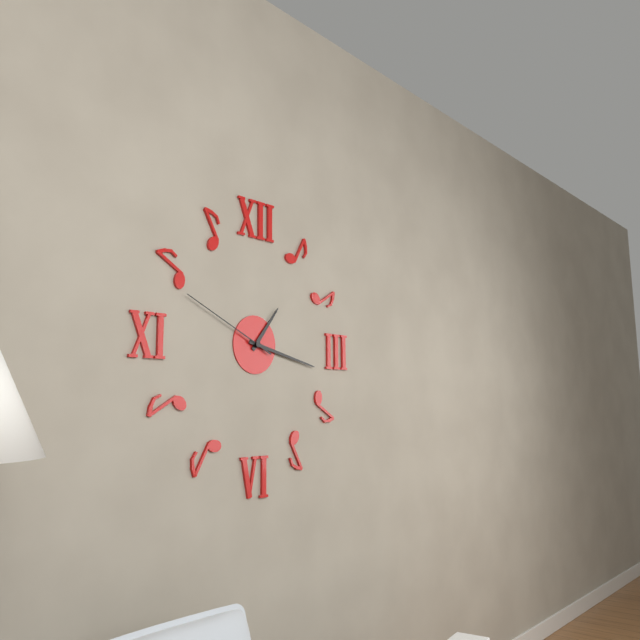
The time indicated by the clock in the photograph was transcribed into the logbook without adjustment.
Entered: 1:17:49
